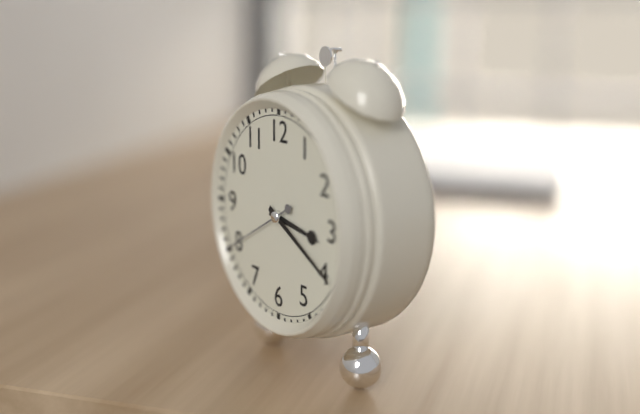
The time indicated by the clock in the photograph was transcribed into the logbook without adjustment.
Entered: 3:20:40
